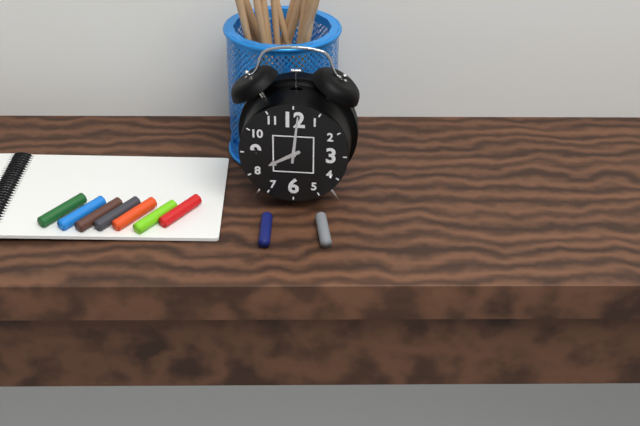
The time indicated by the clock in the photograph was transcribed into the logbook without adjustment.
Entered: 8:01
